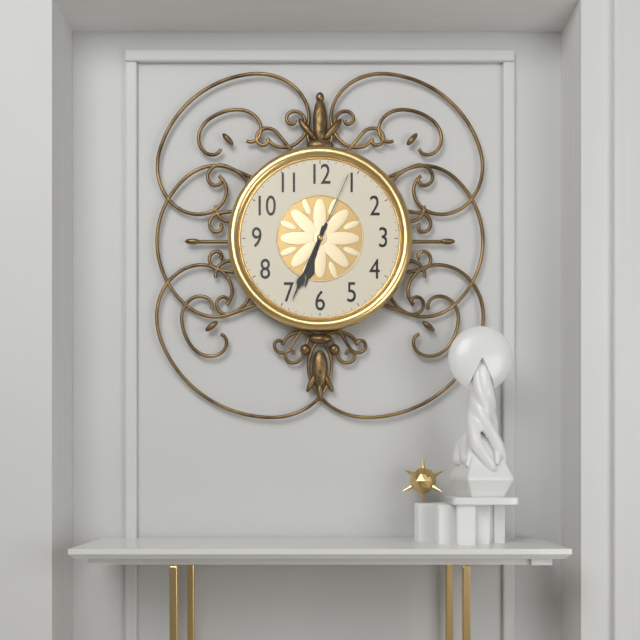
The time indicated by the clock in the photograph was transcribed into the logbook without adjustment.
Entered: 6:34:04
